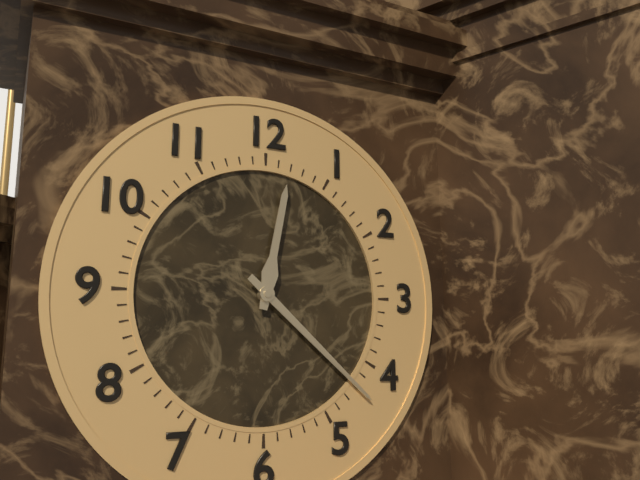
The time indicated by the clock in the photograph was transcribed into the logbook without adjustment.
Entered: 12:22
